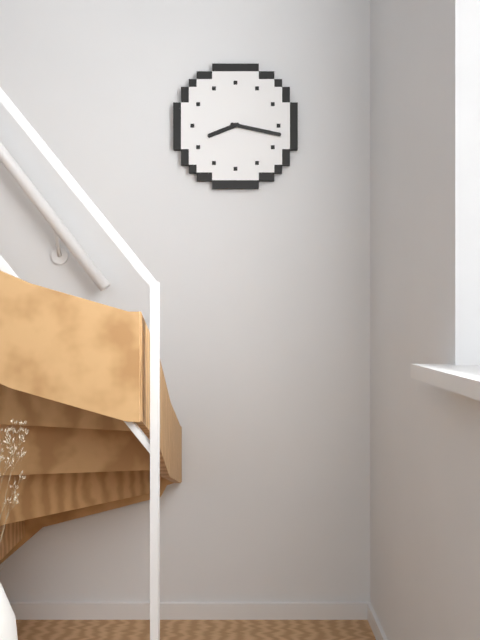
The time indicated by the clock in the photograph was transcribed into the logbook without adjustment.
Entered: 8:17
